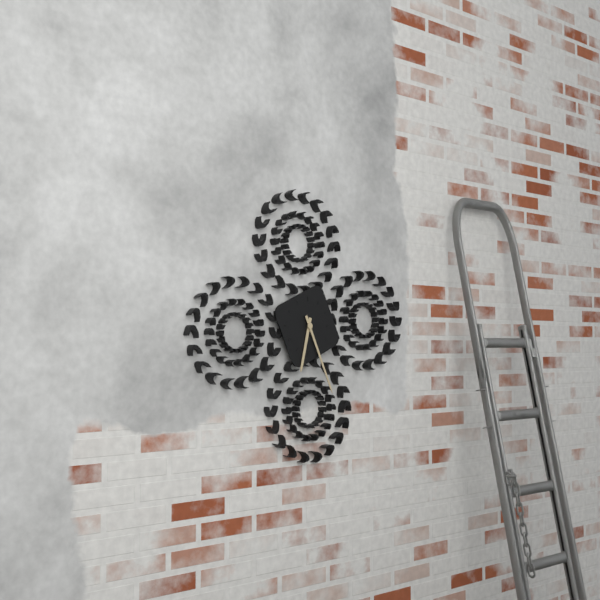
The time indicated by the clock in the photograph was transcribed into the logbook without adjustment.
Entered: 6:26
